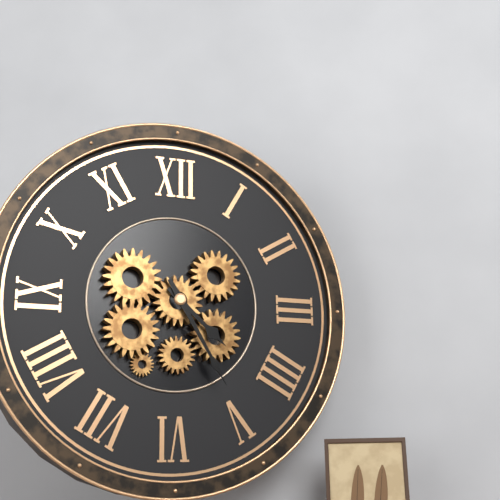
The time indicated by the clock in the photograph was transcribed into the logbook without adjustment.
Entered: 4:25
